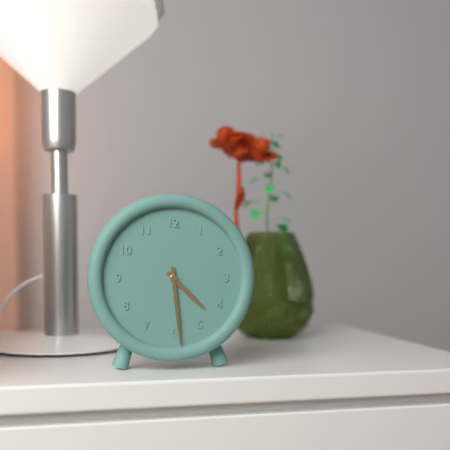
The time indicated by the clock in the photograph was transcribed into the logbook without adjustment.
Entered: 4:29
